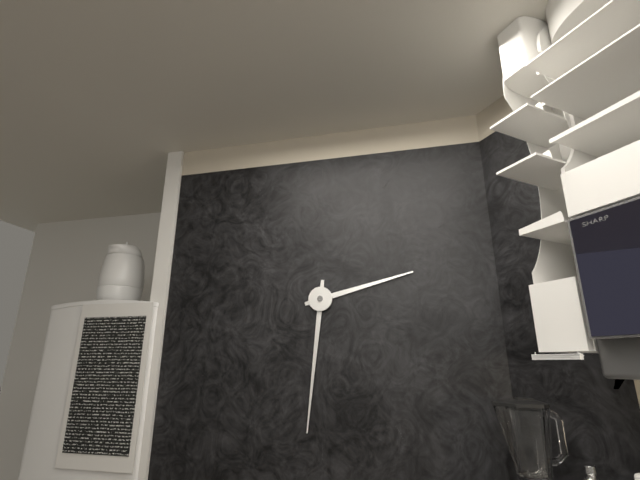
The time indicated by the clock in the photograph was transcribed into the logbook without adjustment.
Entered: 2:31
